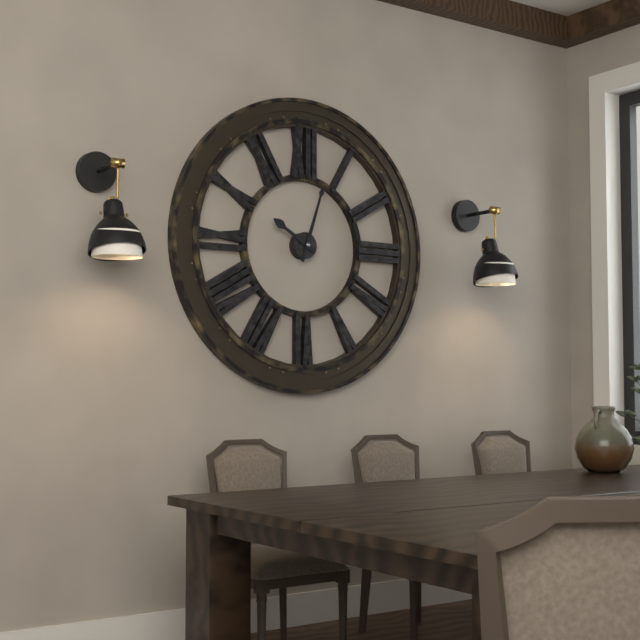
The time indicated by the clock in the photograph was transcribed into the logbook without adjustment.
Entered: 10:03
